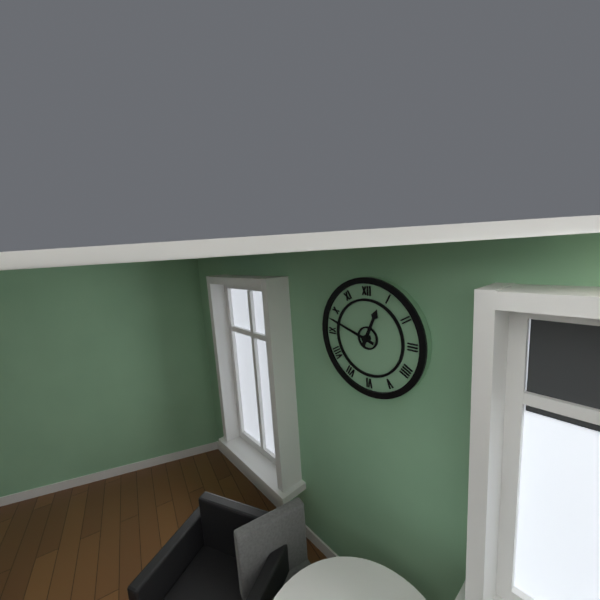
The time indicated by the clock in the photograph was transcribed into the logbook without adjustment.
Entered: 12:48
